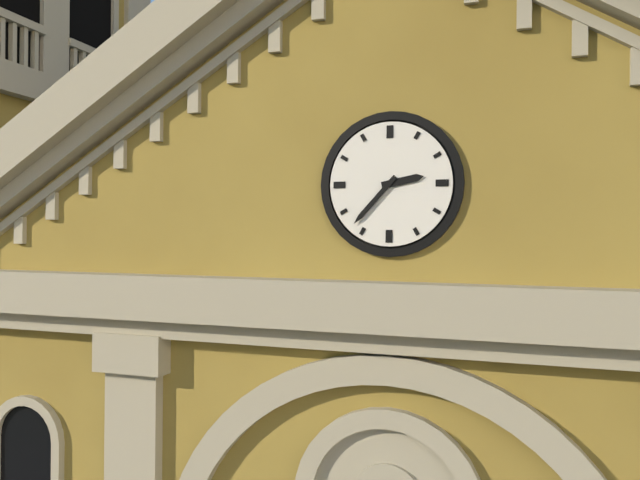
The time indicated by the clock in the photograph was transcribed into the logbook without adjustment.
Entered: 2:37
